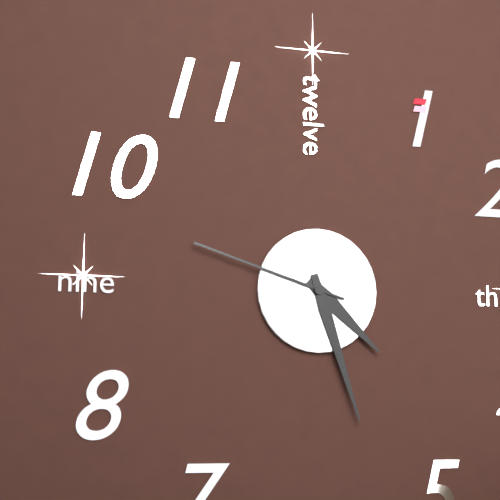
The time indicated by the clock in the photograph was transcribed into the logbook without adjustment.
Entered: 4:27:48
